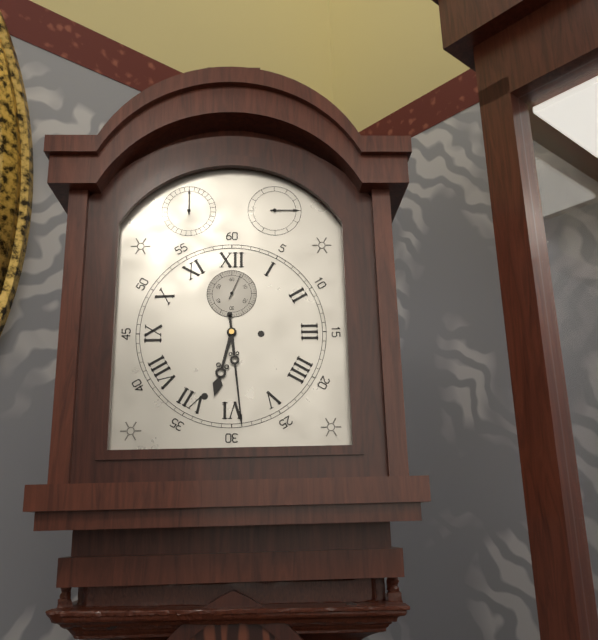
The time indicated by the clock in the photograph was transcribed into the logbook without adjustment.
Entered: 6:29
